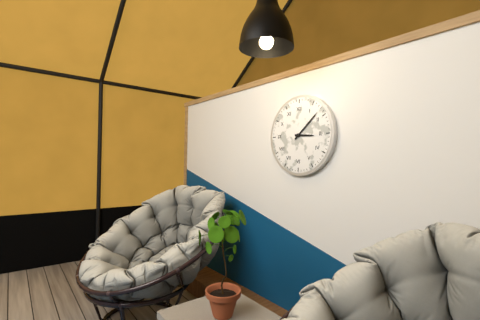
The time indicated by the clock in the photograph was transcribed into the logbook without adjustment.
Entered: 3:08
